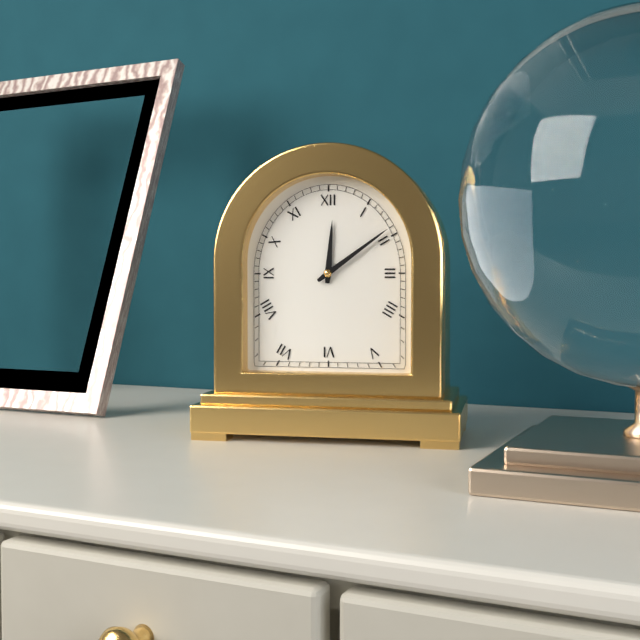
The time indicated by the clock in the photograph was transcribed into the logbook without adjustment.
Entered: 12:09
